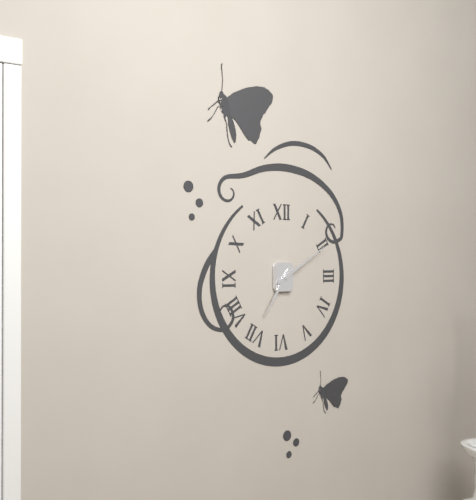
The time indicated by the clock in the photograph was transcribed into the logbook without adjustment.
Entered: 7:10
